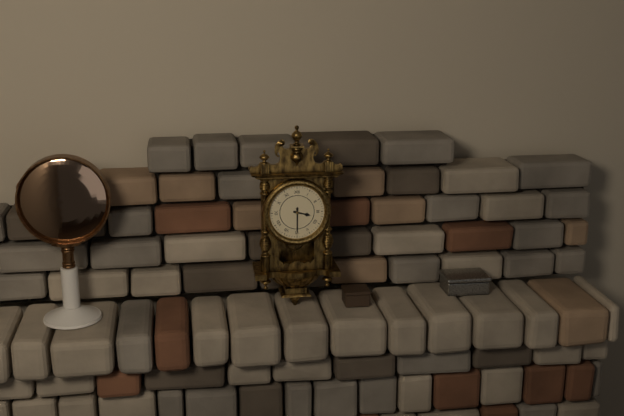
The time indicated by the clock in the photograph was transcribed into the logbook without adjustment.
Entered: 3:30
